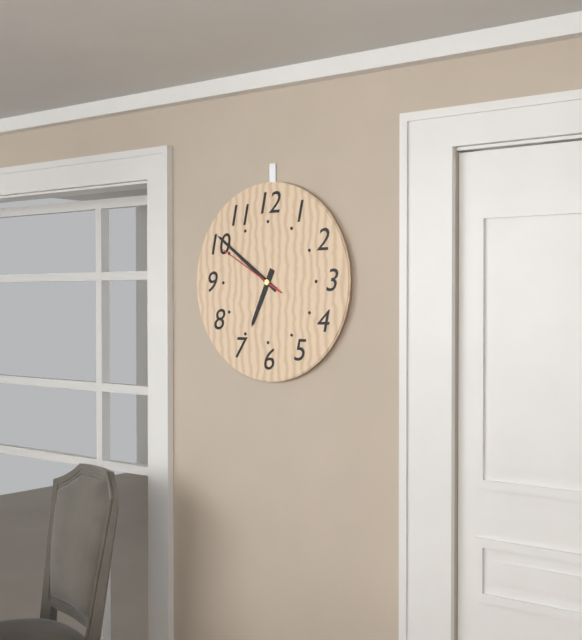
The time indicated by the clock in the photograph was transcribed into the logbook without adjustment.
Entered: 6:51:50
